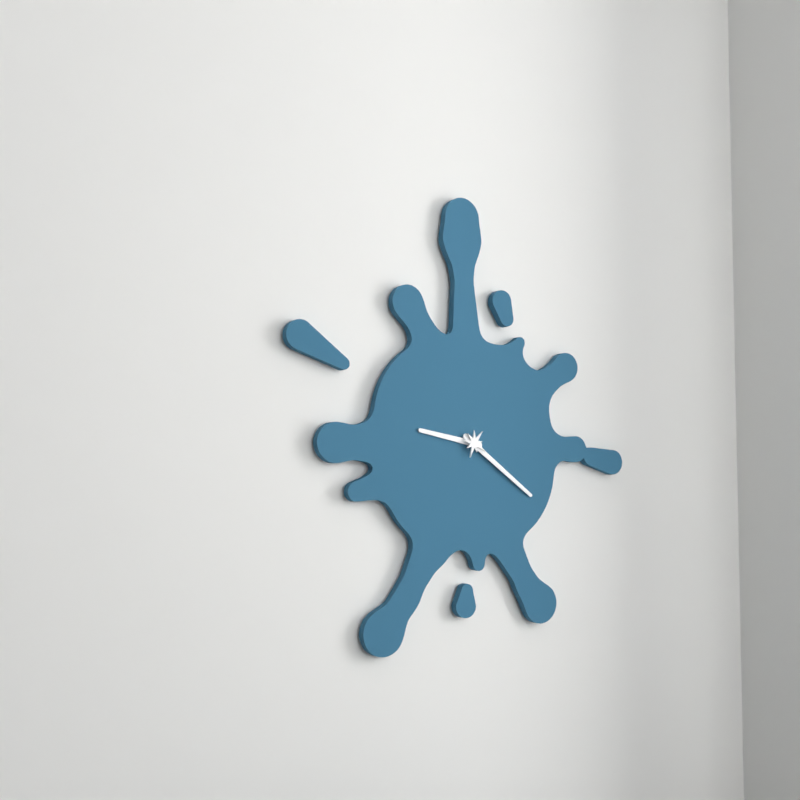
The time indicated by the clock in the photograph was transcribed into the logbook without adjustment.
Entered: 9:21
